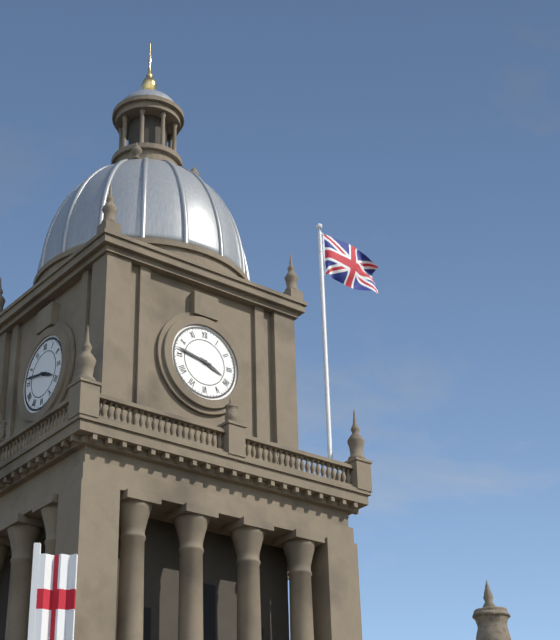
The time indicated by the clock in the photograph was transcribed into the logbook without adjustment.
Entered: 3:47
